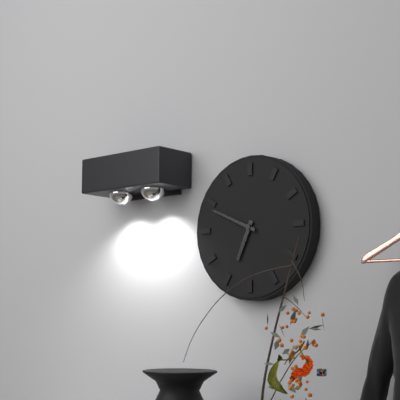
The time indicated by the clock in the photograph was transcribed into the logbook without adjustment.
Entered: 6:49
